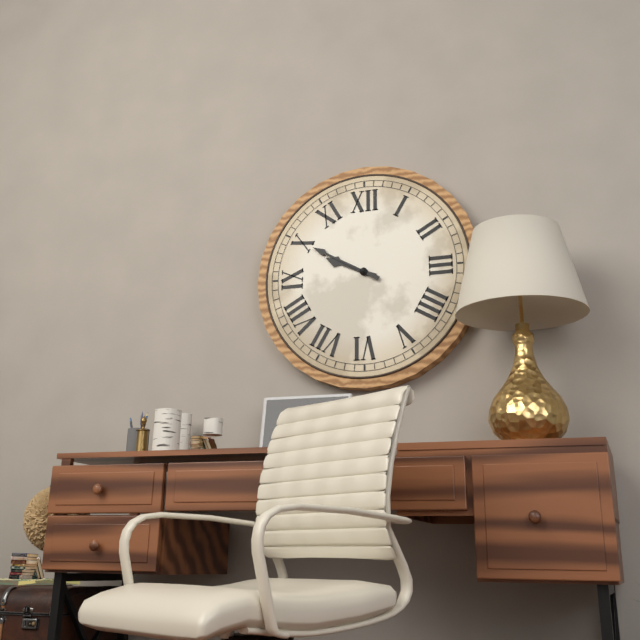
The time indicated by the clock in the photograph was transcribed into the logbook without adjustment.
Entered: 9:50
